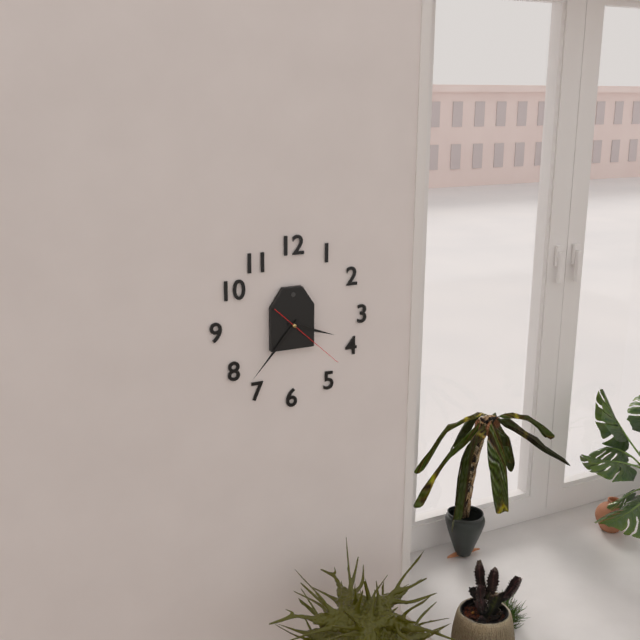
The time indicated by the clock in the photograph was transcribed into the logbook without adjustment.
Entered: 3:37:22
